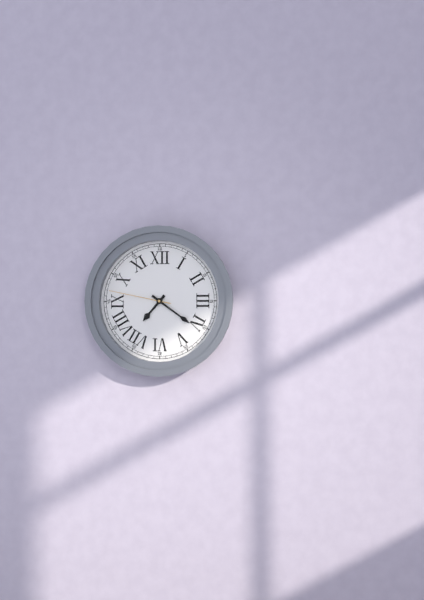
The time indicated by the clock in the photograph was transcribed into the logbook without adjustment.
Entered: 7:21:47
